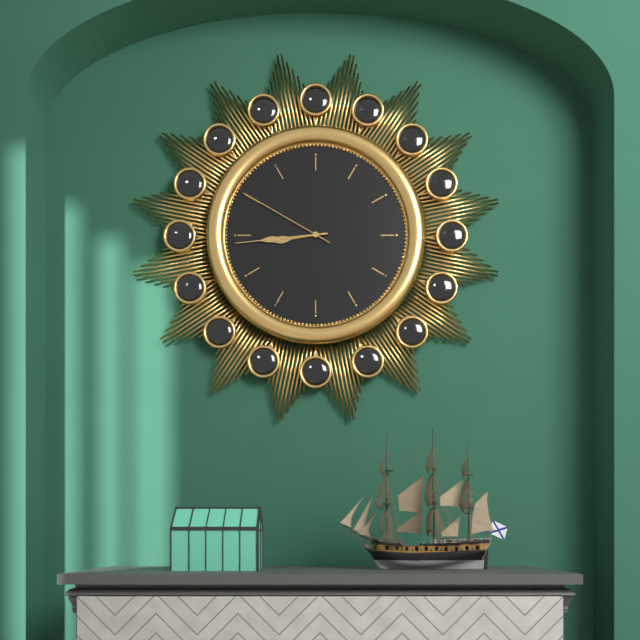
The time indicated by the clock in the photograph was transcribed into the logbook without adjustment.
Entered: 8:44:50
